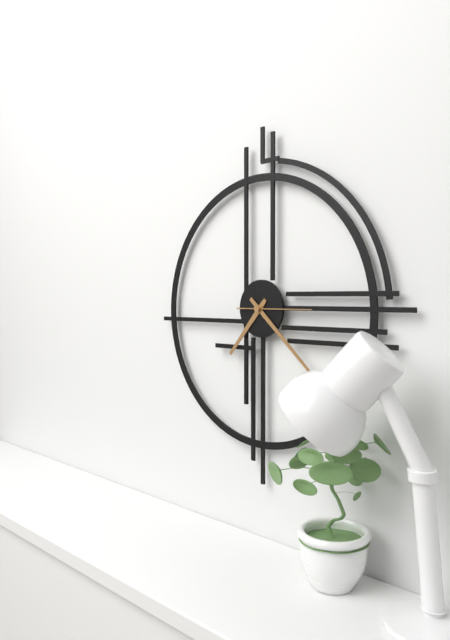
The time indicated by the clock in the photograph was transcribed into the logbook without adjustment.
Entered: 7:22:15
